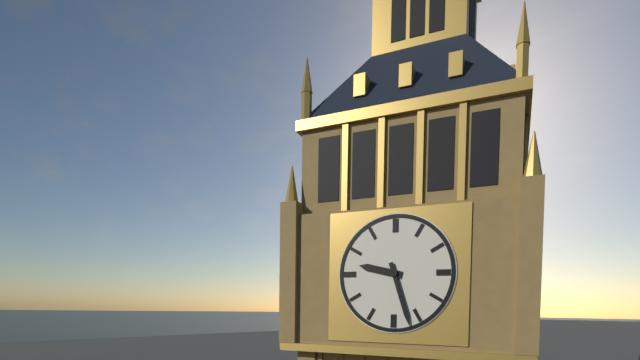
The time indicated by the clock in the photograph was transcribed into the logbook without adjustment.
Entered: 9:27
